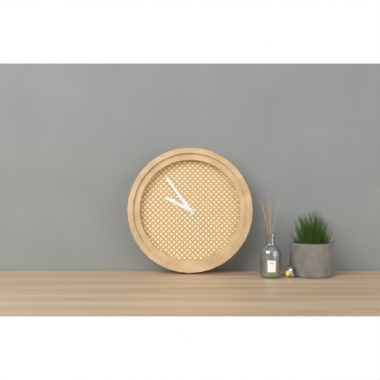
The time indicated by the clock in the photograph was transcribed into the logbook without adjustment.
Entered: 9:54
